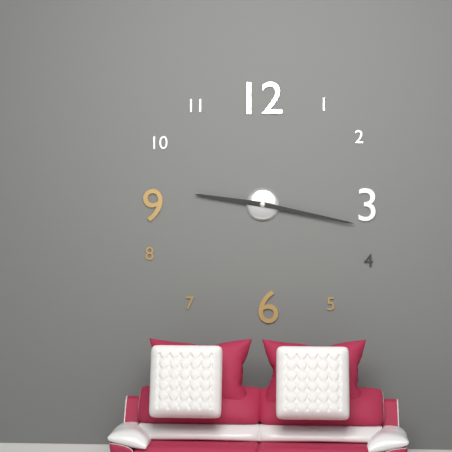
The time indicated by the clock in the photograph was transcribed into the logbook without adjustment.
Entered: 9:17
